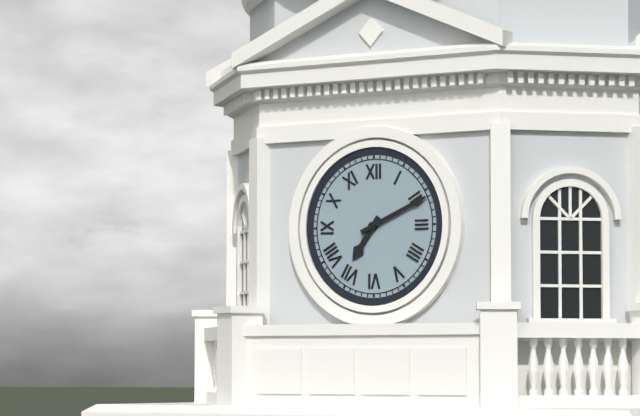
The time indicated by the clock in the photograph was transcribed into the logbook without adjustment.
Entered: 7:11
